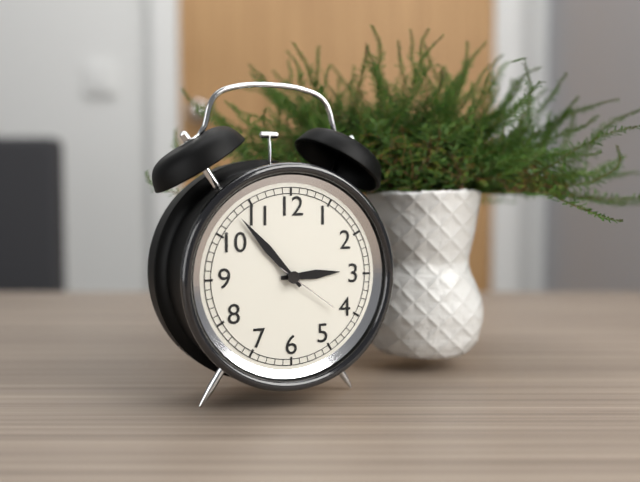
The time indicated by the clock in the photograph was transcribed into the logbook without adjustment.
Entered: 2:53:21
